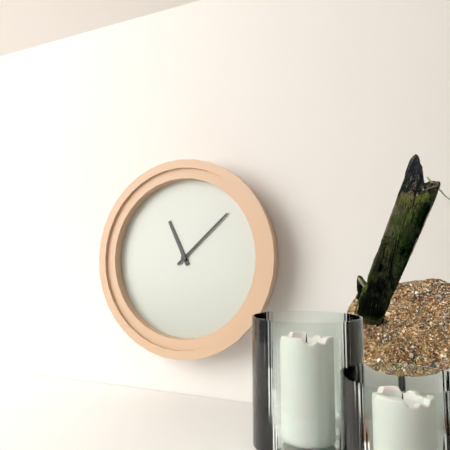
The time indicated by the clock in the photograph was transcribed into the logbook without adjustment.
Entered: 11:08
